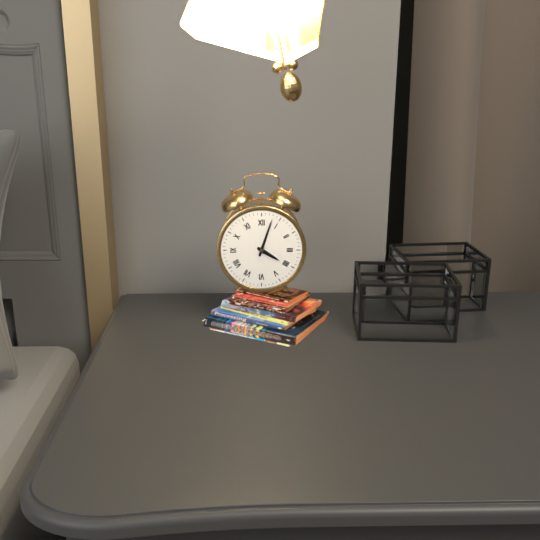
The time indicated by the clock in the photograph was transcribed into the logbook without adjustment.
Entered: 4:03
